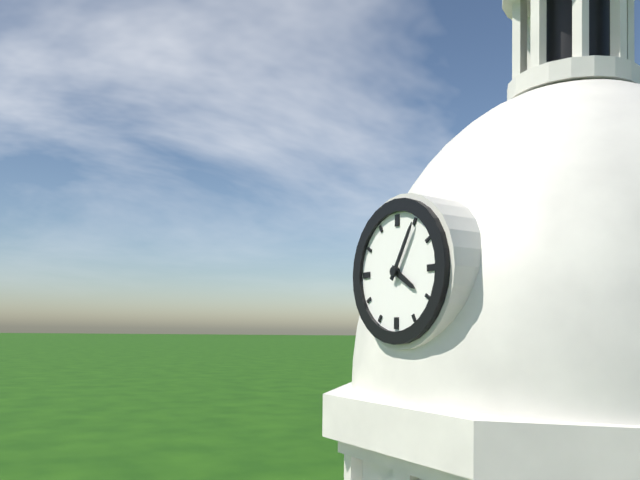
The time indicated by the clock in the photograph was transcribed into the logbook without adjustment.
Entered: 4:05
